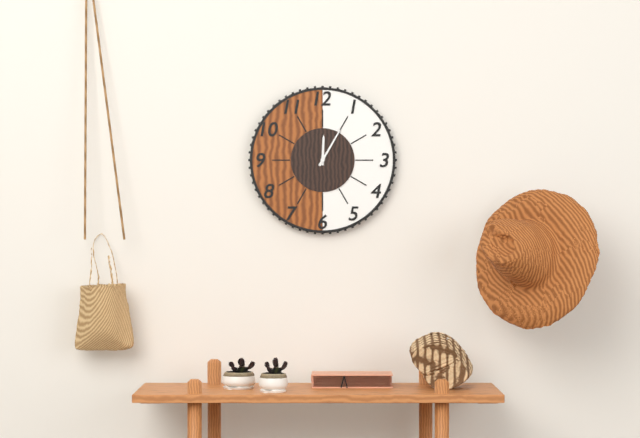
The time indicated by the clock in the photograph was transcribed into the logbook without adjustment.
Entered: 12:05
